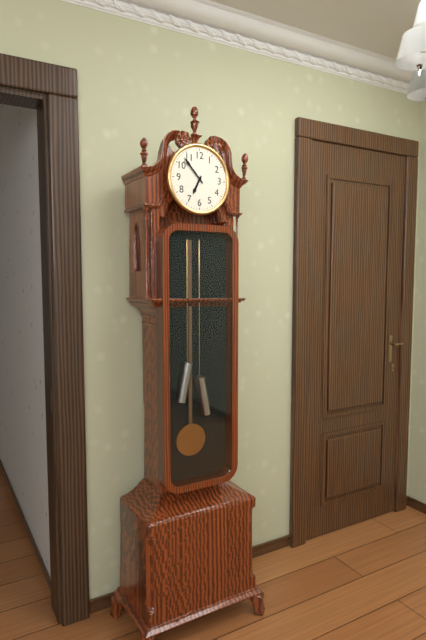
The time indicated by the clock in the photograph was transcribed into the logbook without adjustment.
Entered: 6:53
